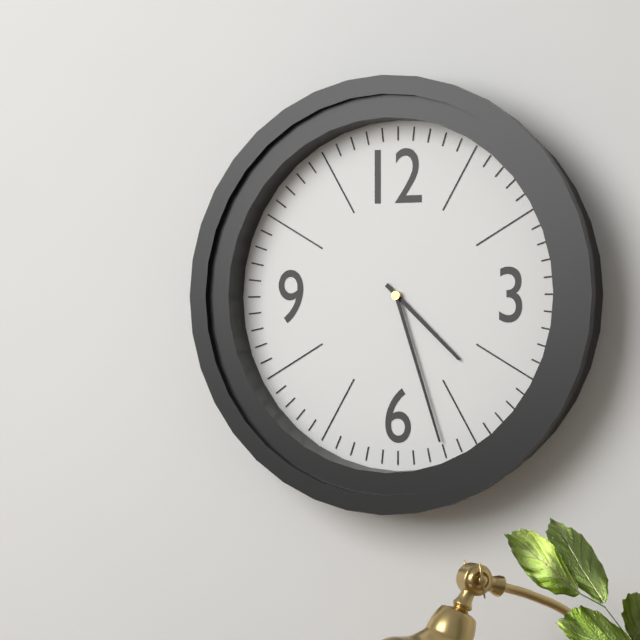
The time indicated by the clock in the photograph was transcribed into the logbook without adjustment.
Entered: 4:27
